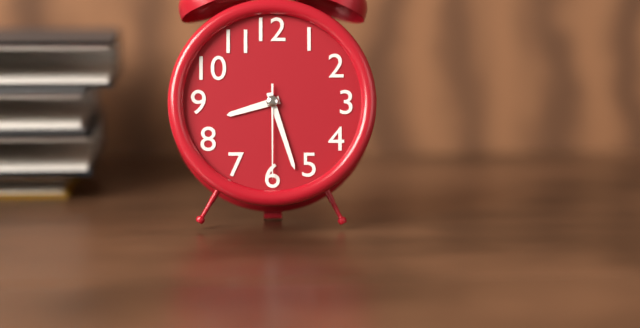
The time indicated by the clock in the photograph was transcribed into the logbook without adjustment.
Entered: 8:27:30
